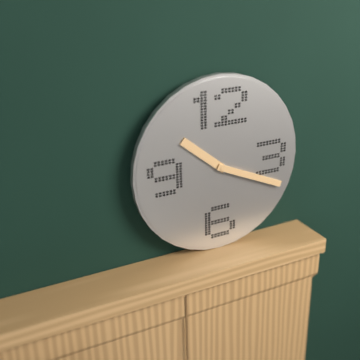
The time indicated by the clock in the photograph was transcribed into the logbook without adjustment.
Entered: 10:19
